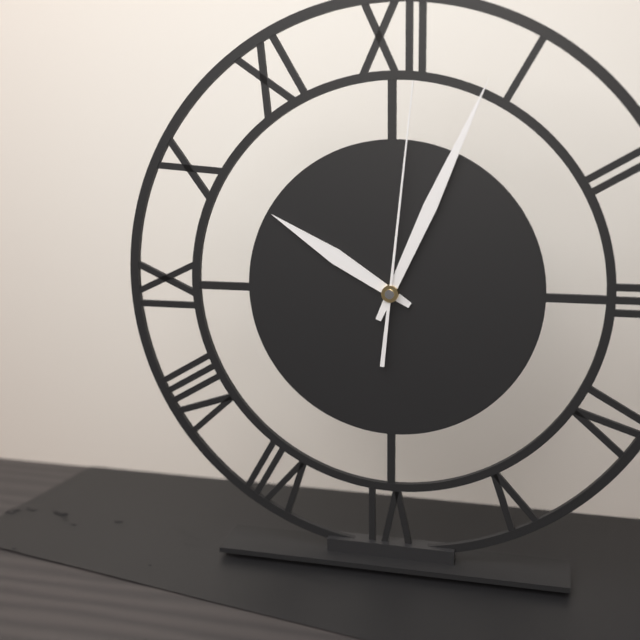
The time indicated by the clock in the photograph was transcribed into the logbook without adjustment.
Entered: 10:04:01
